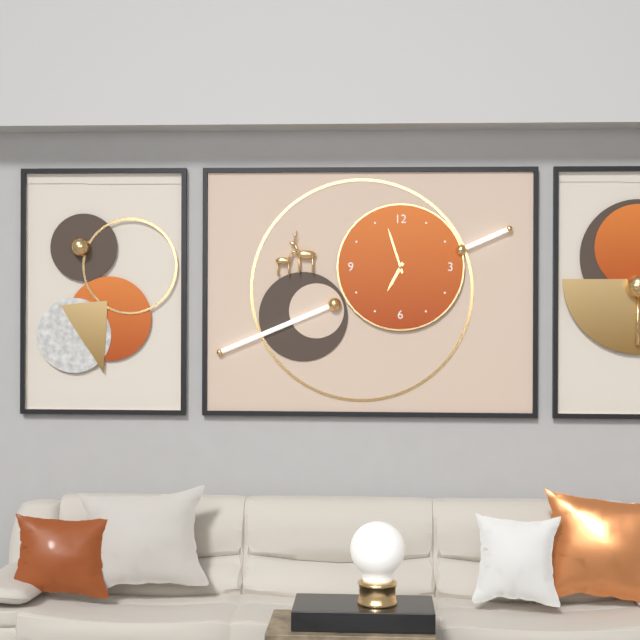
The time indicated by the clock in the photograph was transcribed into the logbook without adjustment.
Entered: 6:57
